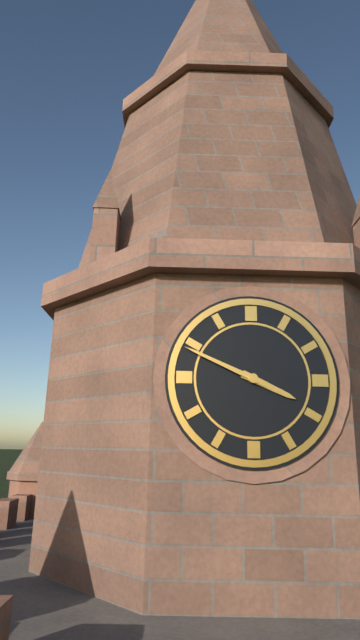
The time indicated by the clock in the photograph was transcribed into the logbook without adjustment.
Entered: 3:49
